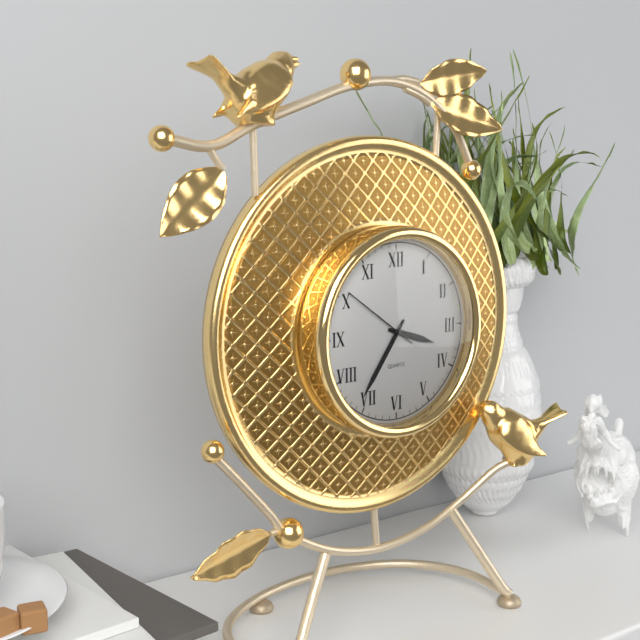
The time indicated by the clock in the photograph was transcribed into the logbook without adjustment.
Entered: 3:36:51
